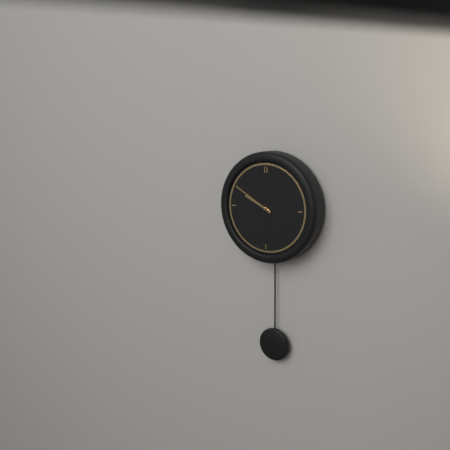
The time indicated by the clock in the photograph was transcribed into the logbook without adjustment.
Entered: 9:50
